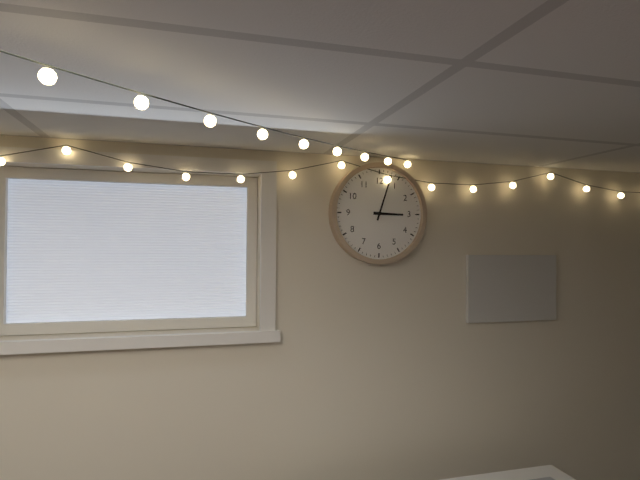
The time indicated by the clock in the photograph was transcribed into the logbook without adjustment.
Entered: 3:03
